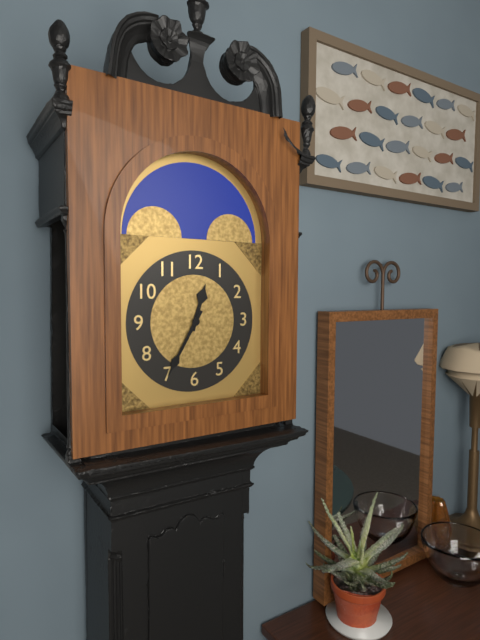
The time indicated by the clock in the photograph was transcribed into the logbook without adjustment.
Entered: 12:35
